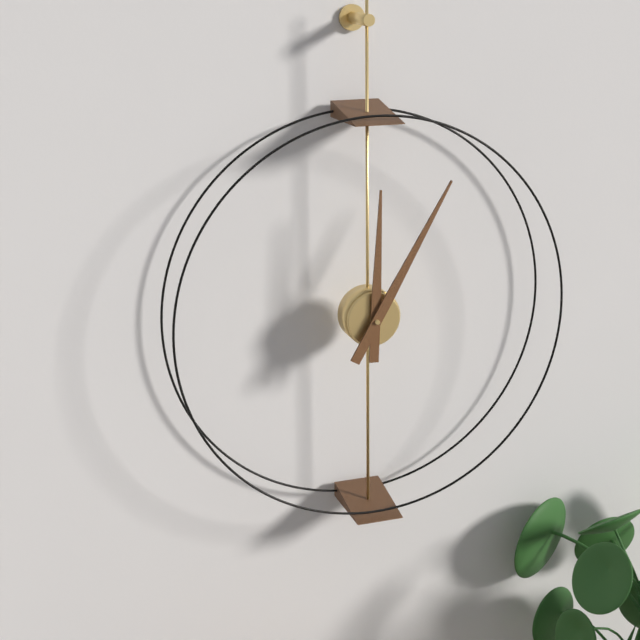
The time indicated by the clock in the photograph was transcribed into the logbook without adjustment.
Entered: 12:05
